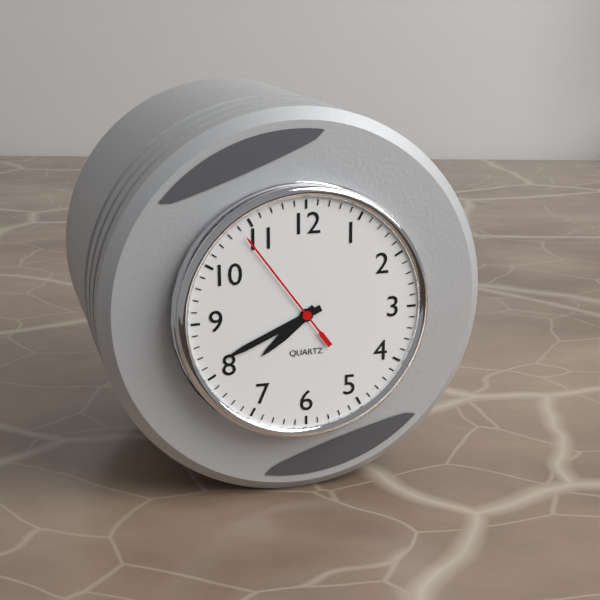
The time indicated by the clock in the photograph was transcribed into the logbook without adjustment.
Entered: 7:41:54
